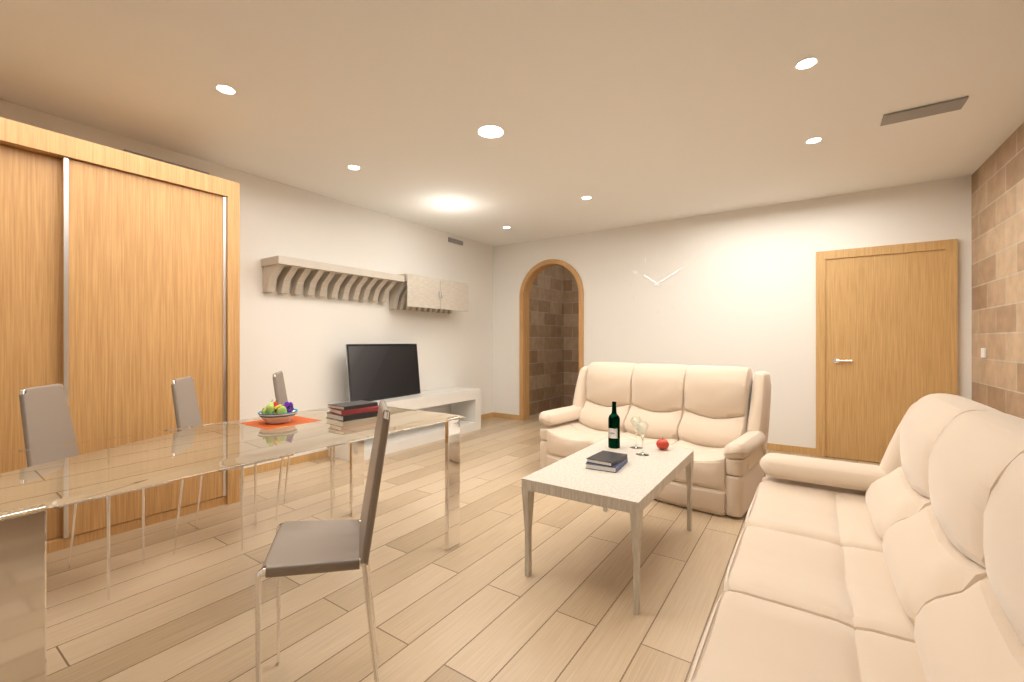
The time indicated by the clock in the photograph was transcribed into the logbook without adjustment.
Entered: 10:10
